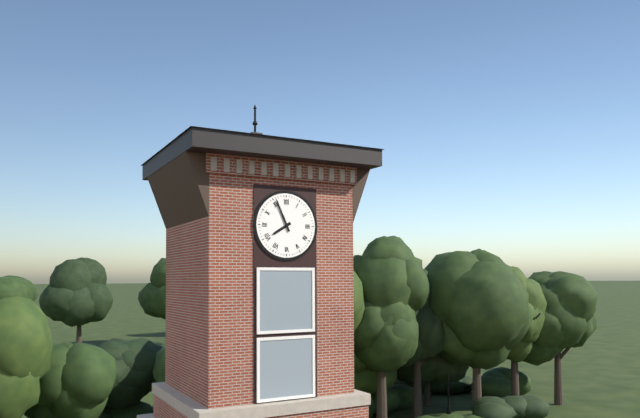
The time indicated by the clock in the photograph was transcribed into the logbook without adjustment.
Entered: 7:56
